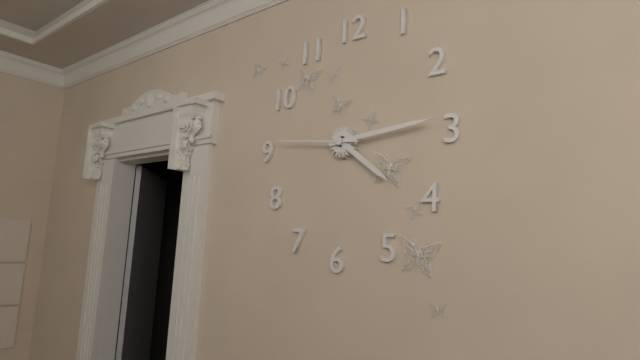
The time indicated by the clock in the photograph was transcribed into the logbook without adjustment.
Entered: 4:14:46
